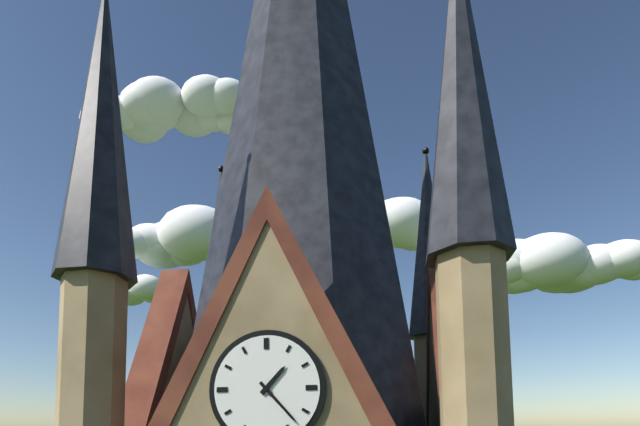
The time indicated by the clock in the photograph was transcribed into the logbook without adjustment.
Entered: 1:23
